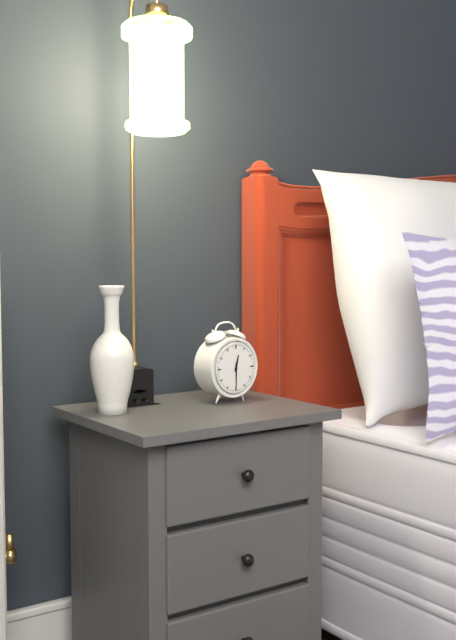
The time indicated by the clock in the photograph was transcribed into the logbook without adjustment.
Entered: 12:30
